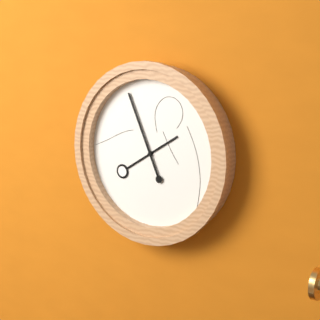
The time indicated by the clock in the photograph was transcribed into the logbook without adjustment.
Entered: 1:56
